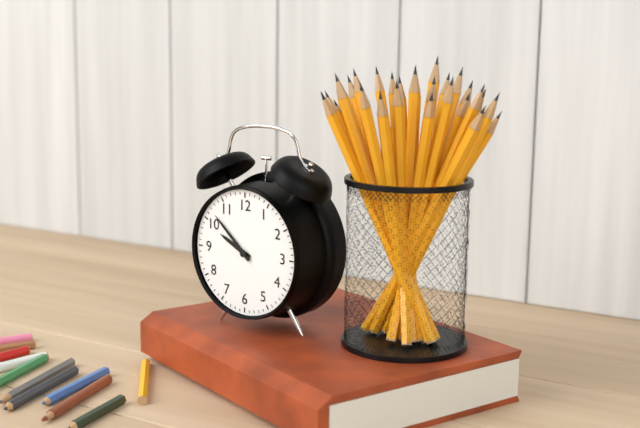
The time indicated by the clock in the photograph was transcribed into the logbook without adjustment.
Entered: 9:52
